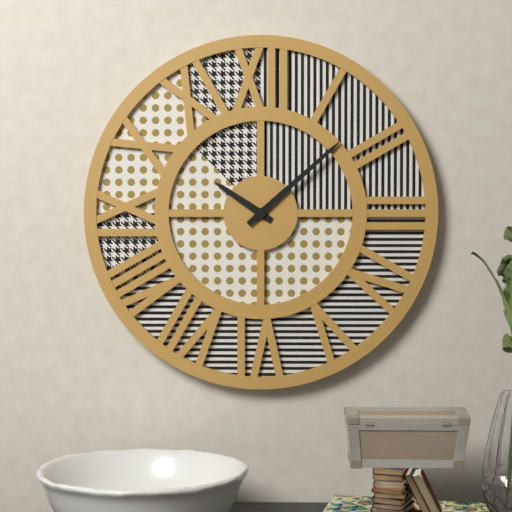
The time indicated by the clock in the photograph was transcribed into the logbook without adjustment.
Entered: 10:08
